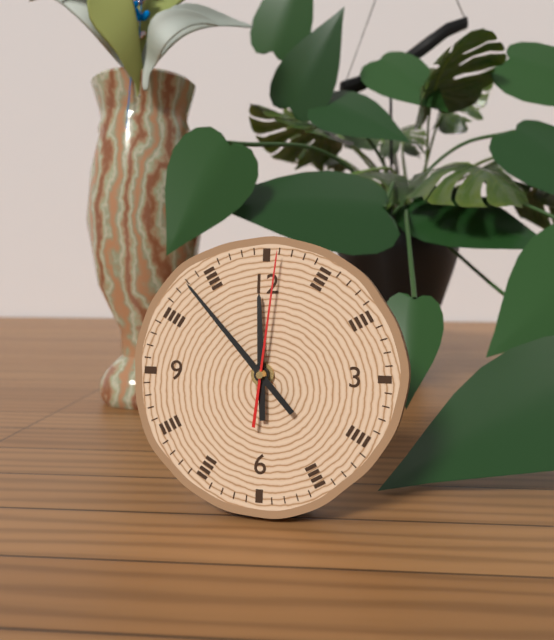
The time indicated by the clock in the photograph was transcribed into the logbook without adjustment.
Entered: 11:53:01
